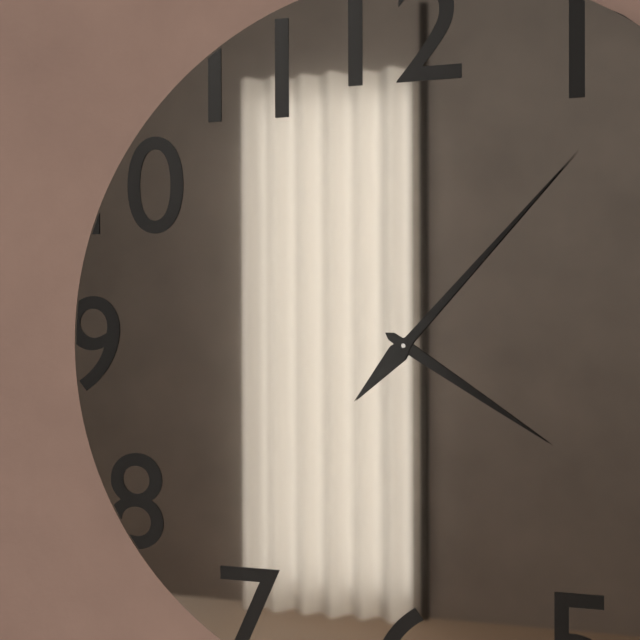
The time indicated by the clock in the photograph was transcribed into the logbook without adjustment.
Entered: 4:07
